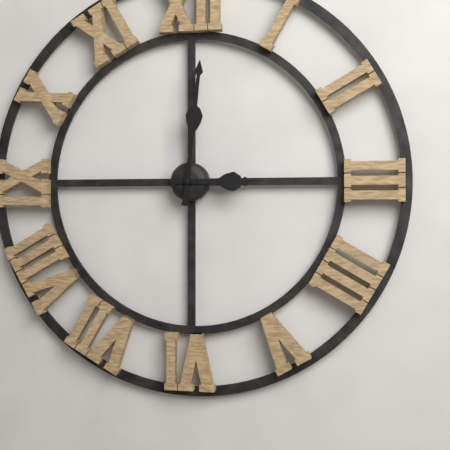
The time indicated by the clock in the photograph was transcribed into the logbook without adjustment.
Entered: 3:01
